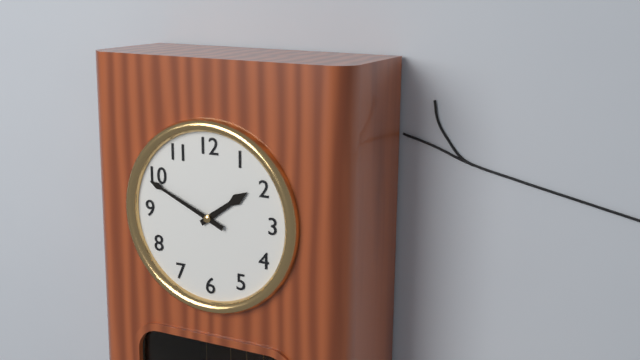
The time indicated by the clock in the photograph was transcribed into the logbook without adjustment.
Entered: 1:49
